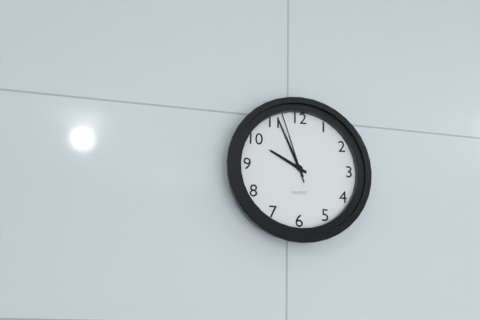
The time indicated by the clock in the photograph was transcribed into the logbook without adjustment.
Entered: 9:56:57
